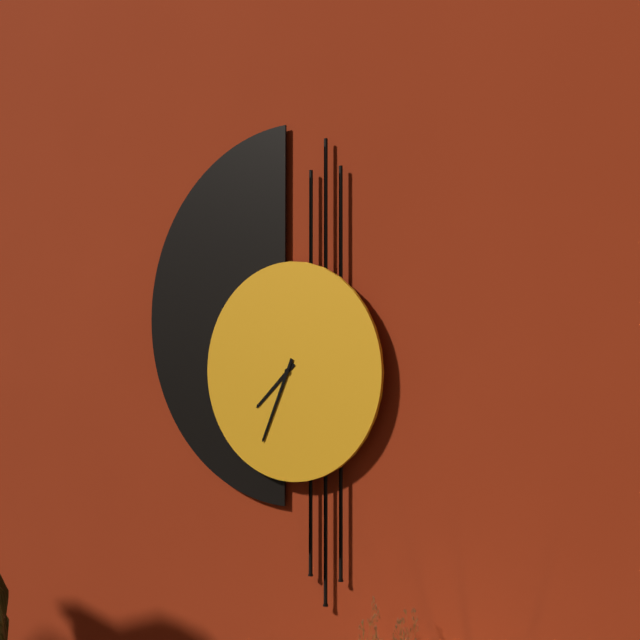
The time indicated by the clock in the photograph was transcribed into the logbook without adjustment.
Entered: 7:34
